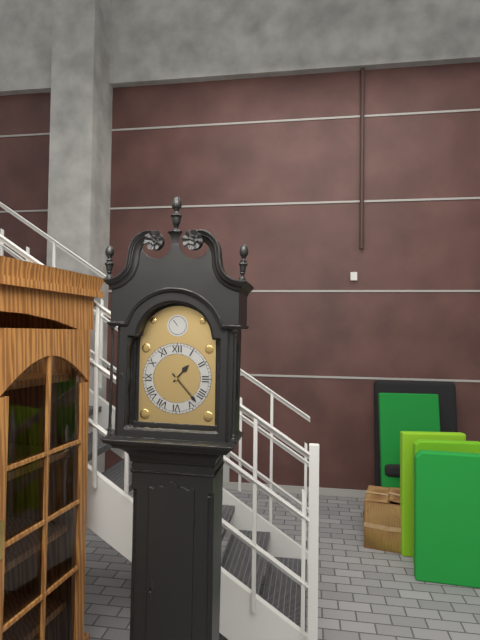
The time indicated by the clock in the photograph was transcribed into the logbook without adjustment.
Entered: 1:23
